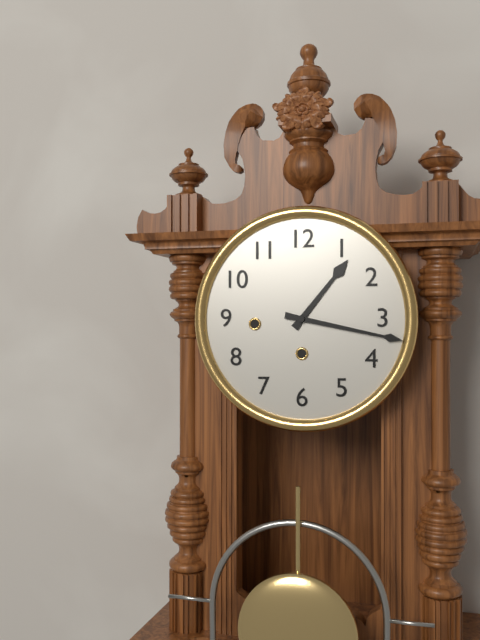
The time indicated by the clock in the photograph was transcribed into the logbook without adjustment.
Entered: 1:17
